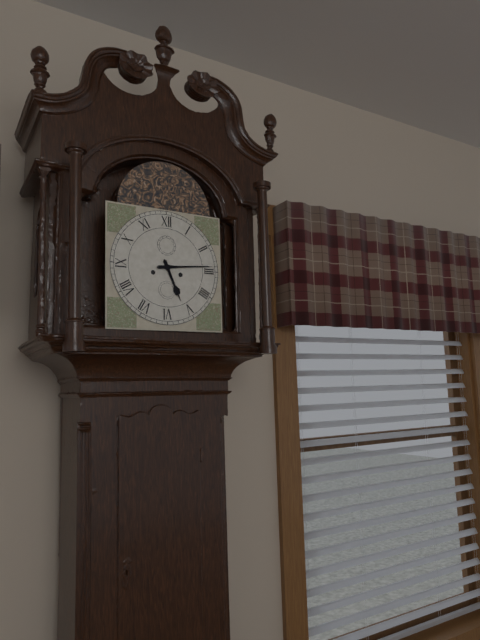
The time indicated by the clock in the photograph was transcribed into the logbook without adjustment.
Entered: 5:14
